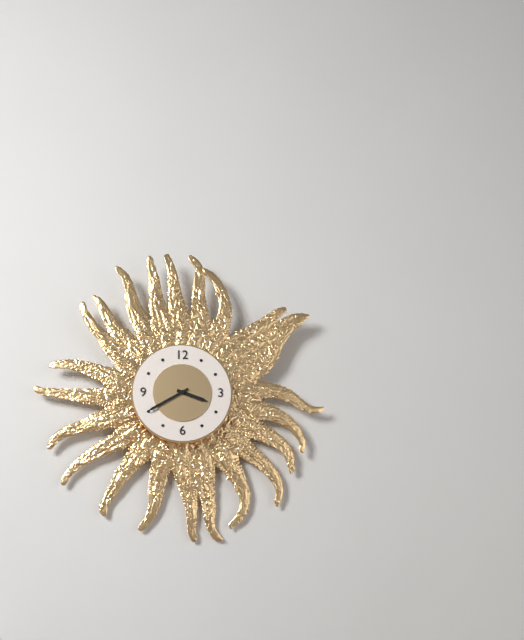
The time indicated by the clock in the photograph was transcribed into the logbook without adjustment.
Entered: 3:40
